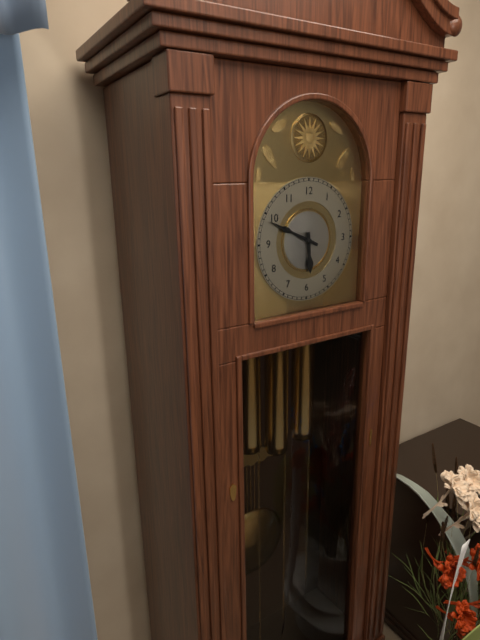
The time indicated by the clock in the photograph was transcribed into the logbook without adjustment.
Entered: 5:49
